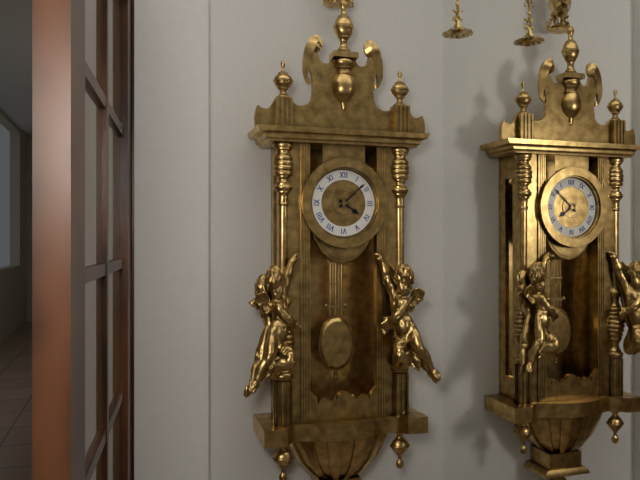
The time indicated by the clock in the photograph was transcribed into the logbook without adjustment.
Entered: 4:08
